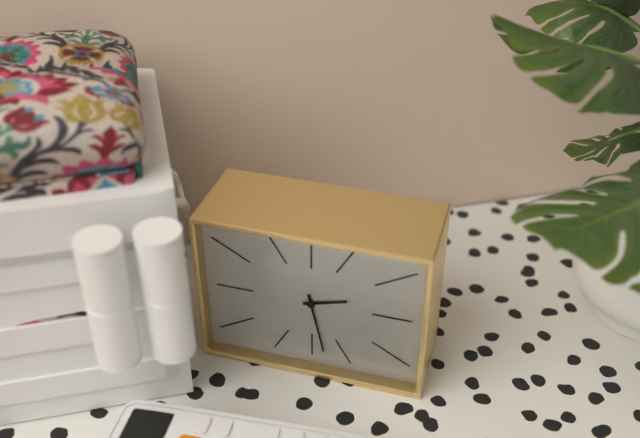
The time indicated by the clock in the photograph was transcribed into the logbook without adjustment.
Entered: 2:28
